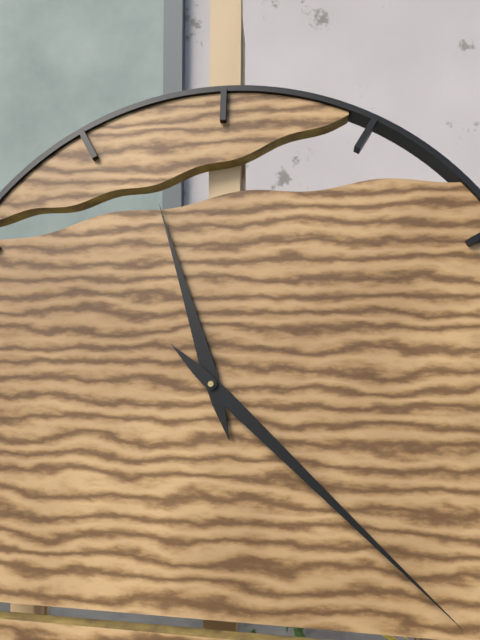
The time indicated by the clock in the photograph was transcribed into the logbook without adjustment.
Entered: 11:22
